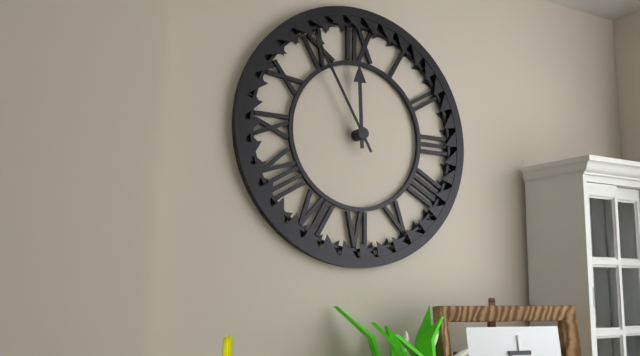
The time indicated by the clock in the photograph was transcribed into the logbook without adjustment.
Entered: 11:55
